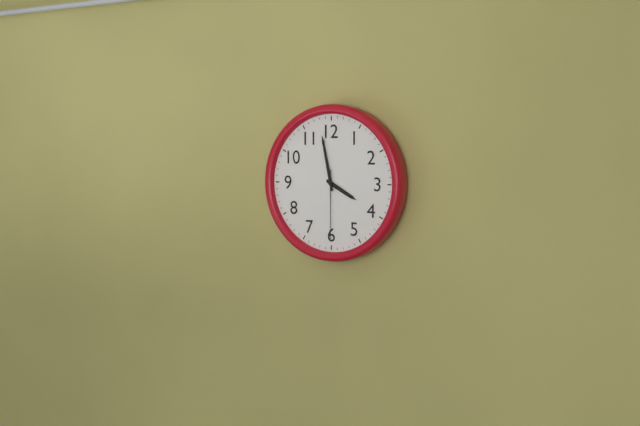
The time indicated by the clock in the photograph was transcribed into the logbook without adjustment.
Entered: 3:58:30
